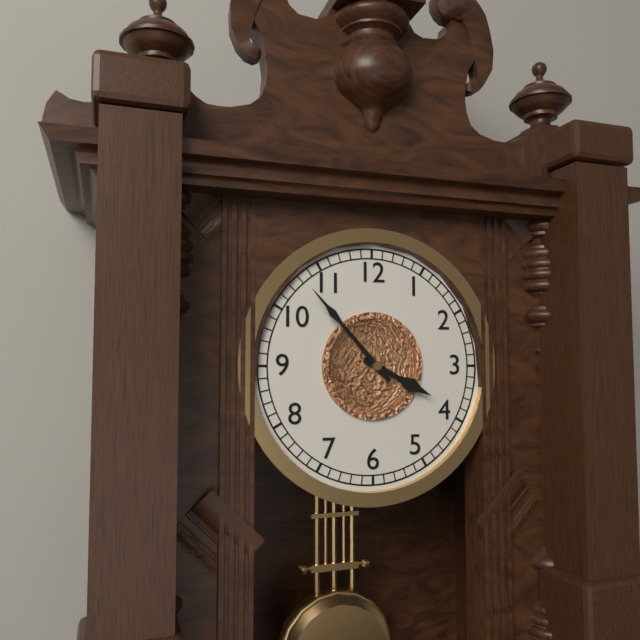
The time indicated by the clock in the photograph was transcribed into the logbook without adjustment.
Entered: 3:53
